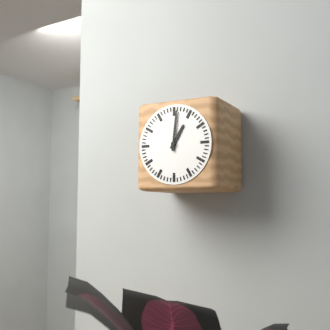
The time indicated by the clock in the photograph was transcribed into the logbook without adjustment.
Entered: 1:01
